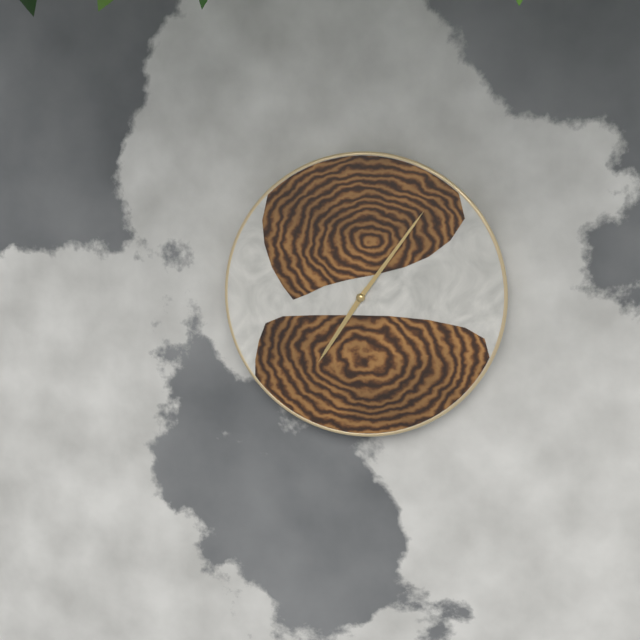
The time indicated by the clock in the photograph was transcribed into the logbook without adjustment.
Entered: 7:06
